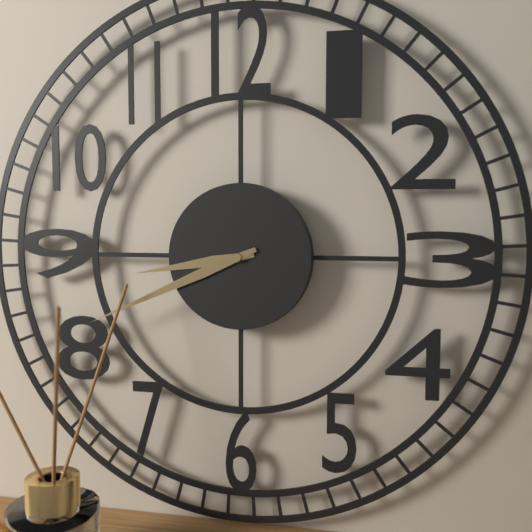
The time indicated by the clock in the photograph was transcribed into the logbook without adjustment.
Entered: 8:41
